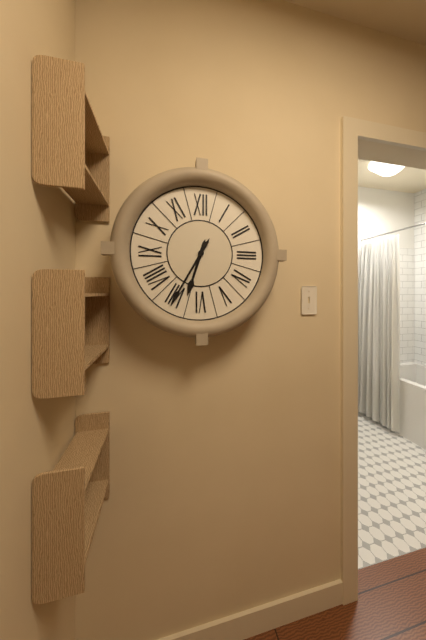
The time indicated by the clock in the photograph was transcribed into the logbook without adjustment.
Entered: 6:35
